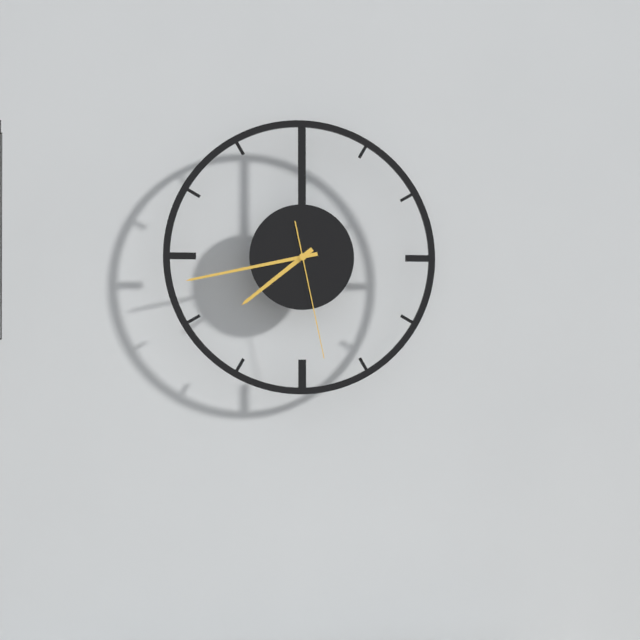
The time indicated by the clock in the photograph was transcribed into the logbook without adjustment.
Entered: 7:43:28
